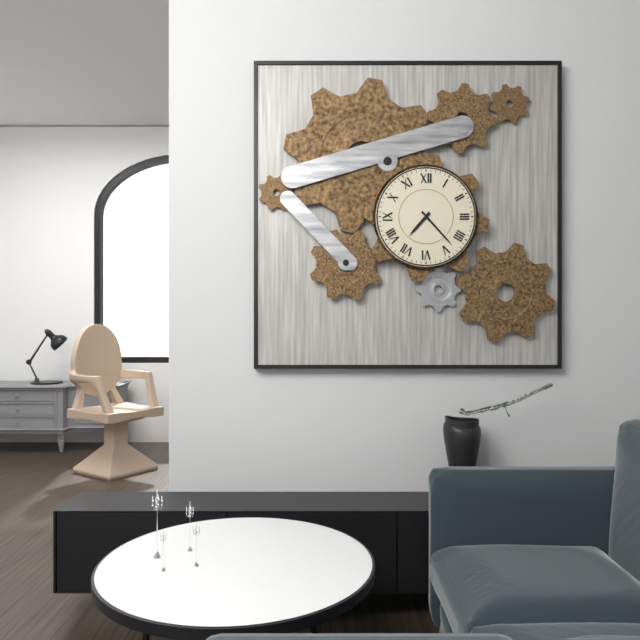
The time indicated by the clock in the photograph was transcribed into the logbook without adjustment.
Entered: 7:23
